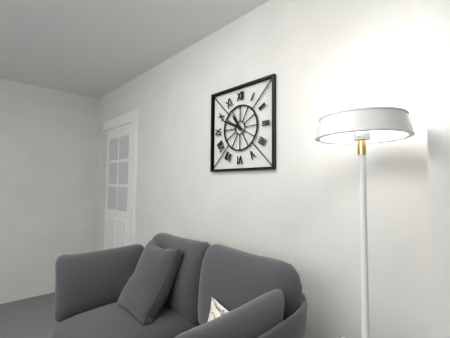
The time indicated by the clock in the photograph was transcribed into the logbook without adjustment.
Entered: 10:49
